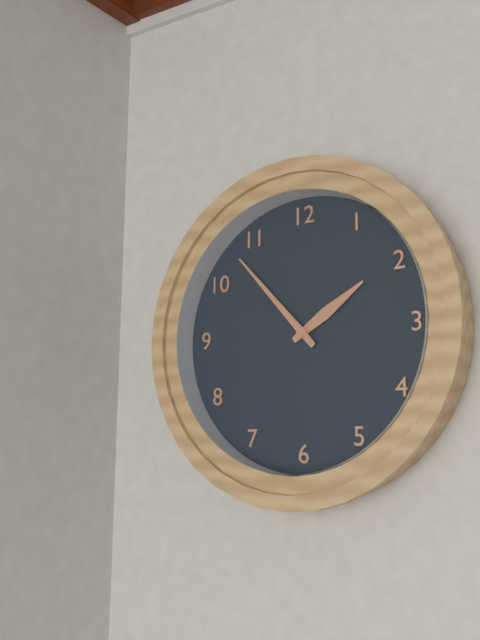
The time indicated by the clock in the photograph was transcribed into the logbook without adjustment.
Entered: 1:53
